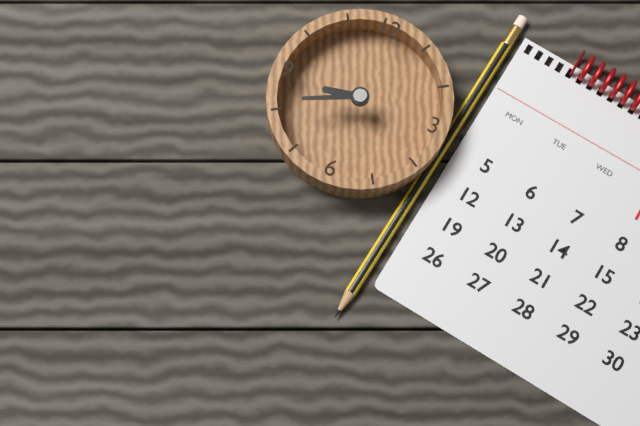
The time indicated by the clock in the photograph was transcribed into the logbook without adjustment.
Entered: 8:41
